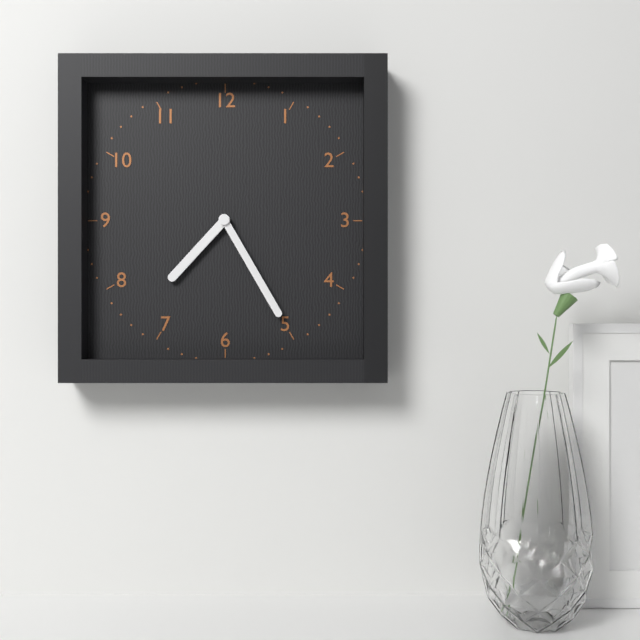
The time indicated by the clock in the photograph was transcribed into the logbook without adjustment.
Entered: 7:25
